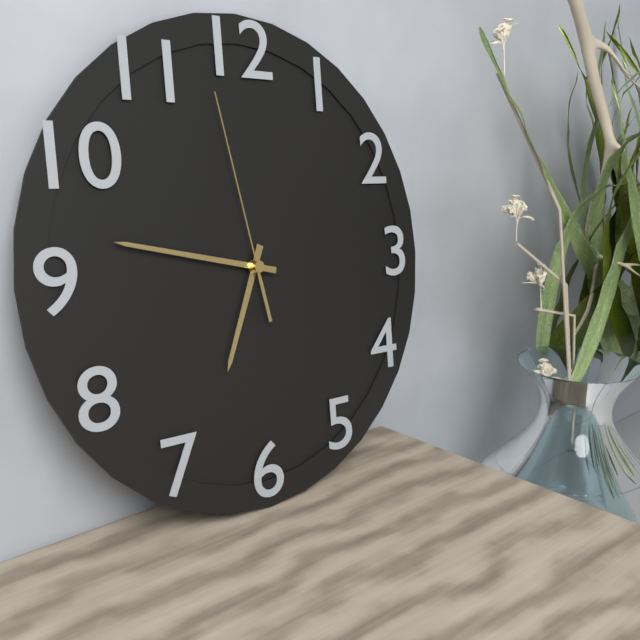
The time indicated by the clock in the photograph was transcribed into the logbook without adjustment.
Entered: 6:47:58
